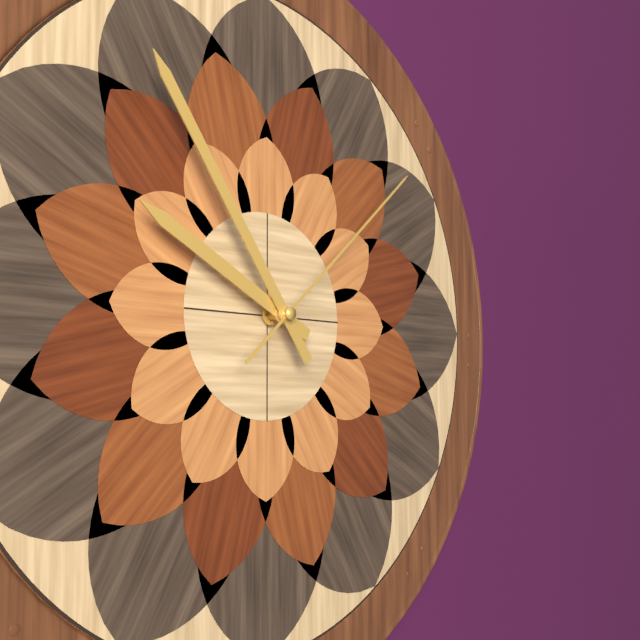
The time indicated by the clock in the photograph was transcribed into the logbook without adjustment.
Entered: 9:54:08
